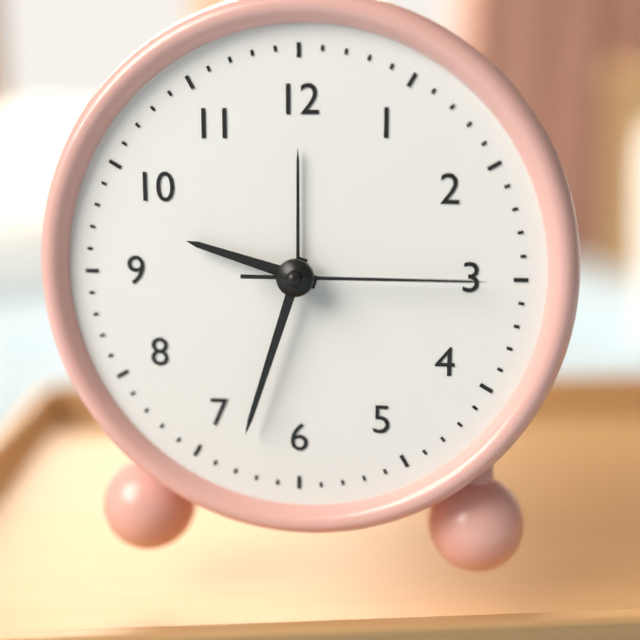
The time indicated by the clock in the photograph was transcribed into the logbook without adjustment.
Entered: 9:33:15
